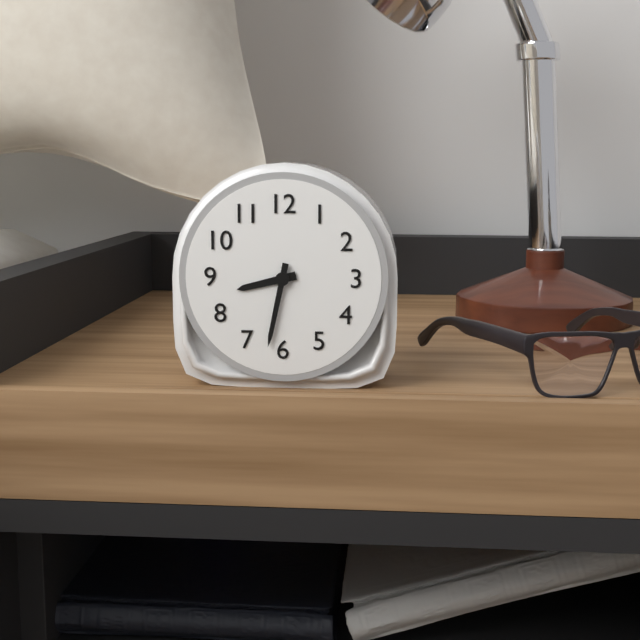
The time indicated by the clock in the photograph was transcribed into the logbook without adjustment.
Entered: 8:32
